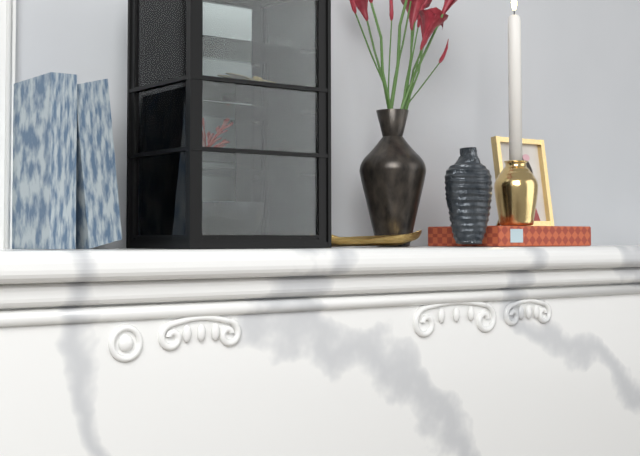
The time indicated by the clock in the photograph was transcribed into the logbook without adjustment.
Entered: 6:59
